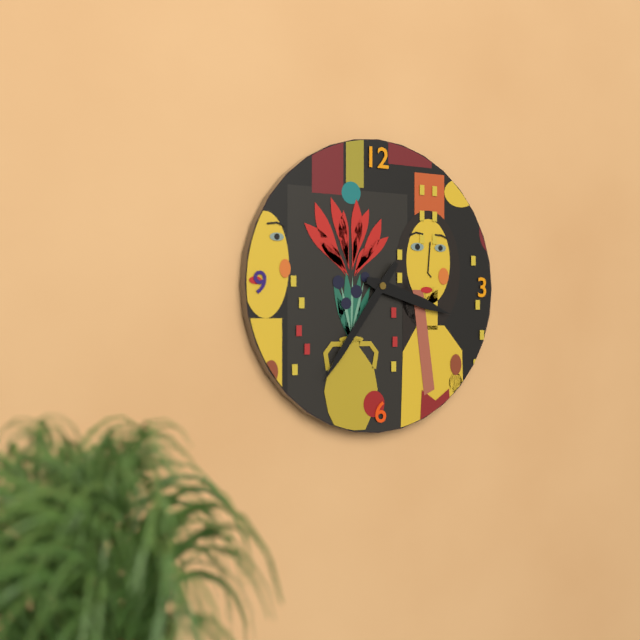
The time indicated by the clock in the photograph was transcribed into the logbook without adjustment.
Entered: 3:36
